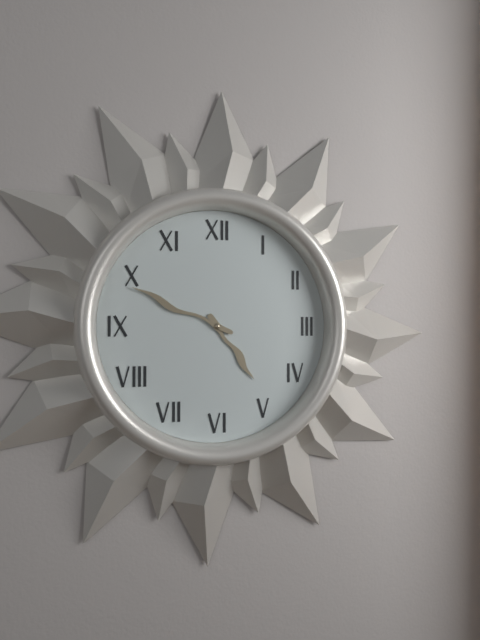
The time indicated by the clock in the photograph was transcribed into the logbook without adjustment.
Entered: 4:49
